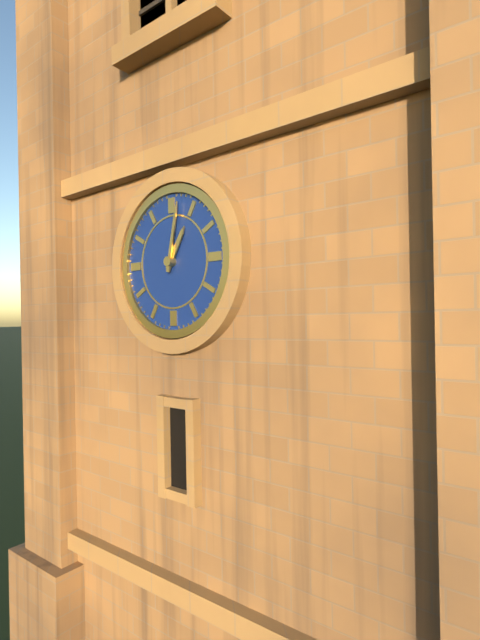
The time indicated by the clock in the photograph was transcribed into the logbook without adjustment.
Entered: 1:02
